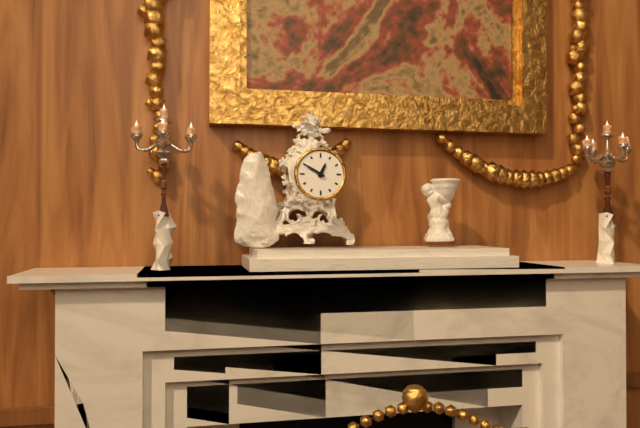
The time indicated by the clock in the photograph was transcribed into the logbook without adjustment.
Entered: 12:50
